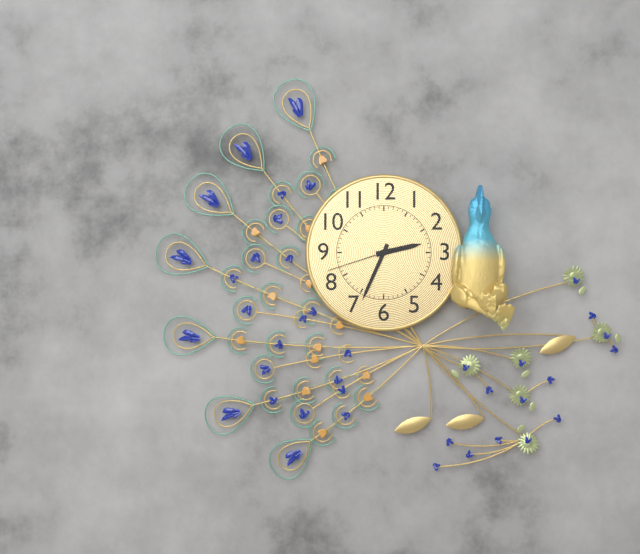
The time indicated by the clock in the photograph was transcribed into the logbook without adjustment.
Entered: 2:34:42
